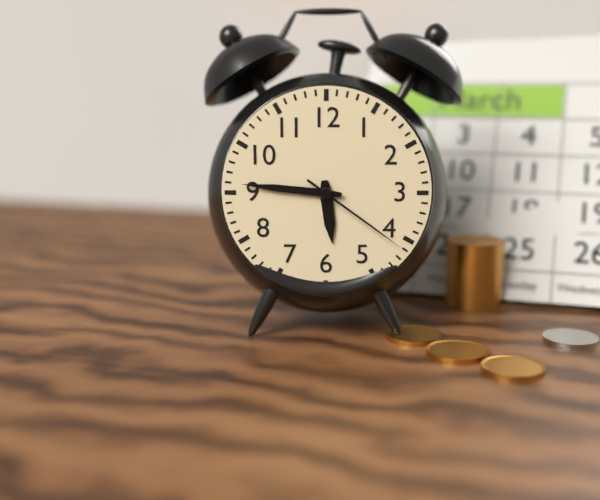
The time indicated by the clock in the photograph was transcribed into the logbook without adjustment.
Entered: 5:46:21
